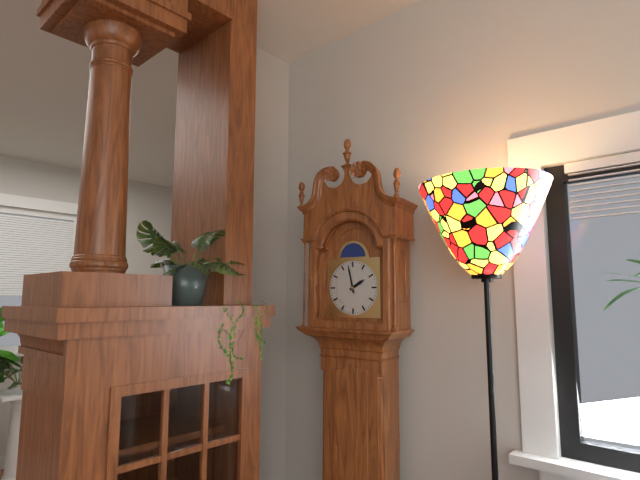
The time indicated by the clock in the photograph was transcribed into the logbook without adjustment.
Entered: 1:58
